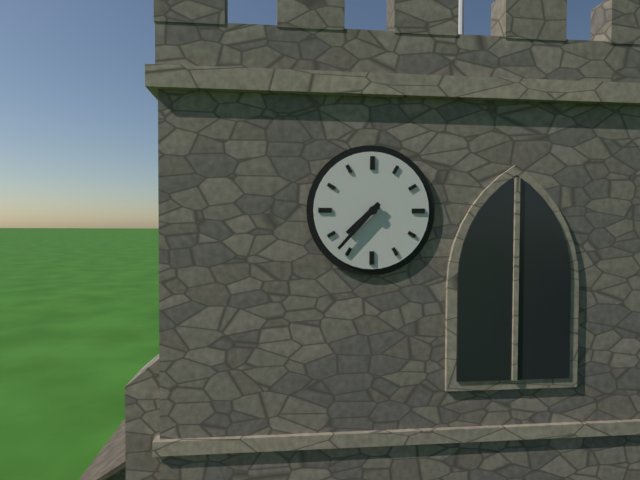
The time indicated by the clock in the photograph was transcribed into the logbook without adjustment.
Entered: 7:37
